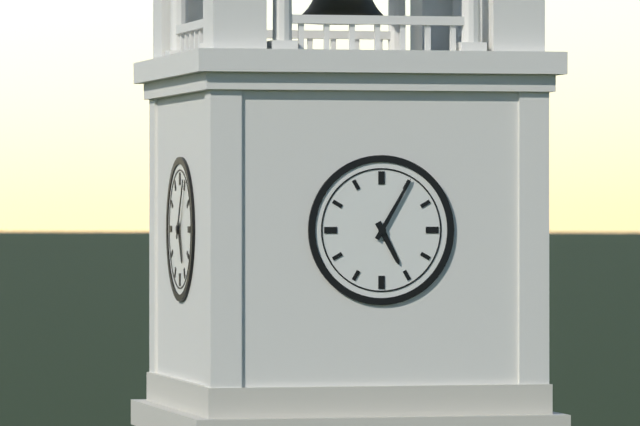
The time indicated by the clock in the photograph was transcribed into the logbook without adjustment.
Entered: 5:05
